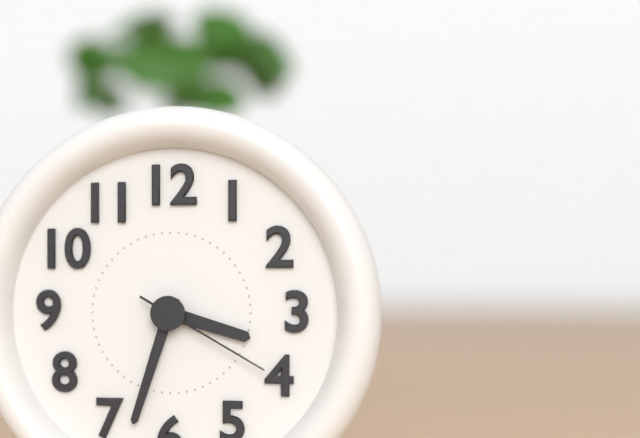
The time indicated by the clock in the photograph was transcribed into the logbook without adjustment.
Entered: 3:33:20
